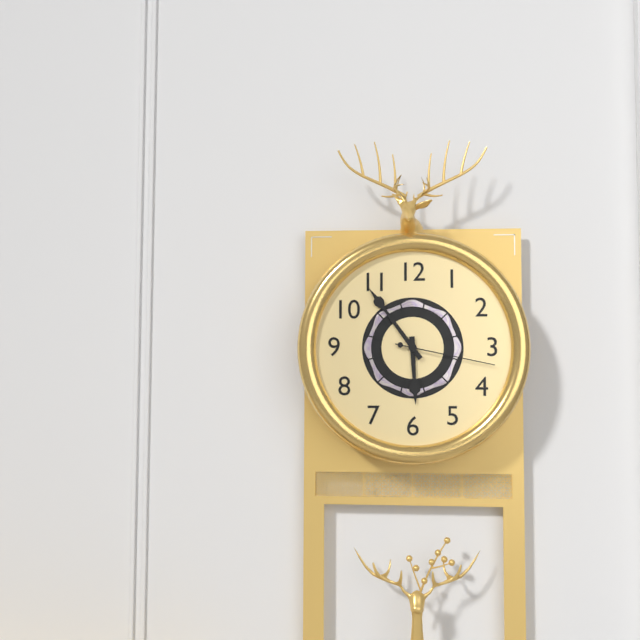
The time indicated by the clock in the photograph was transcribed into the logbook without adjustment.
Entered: 5:54:17
